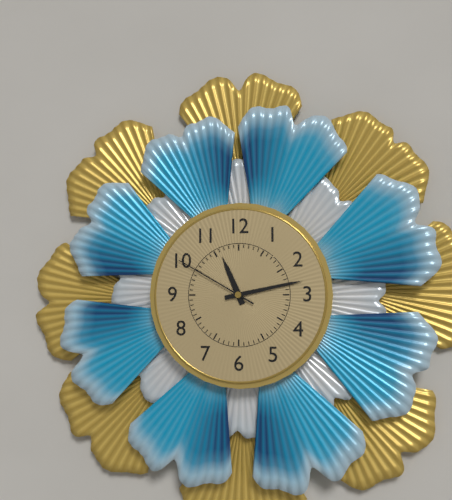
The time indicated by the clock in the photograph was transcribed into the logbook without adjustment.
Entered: 11:13:50
